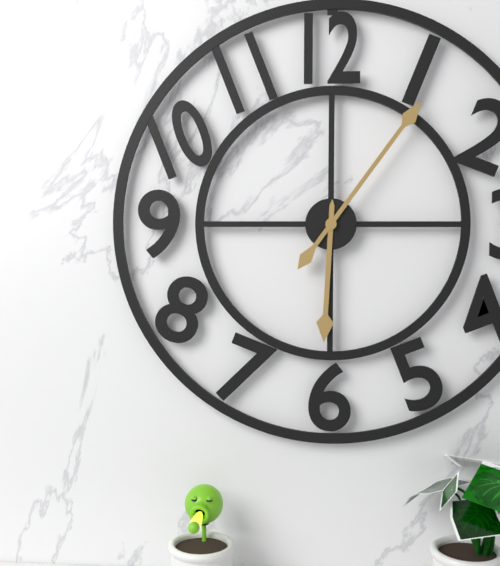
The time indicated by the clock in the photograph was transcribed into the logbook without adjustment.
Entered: 6:06
